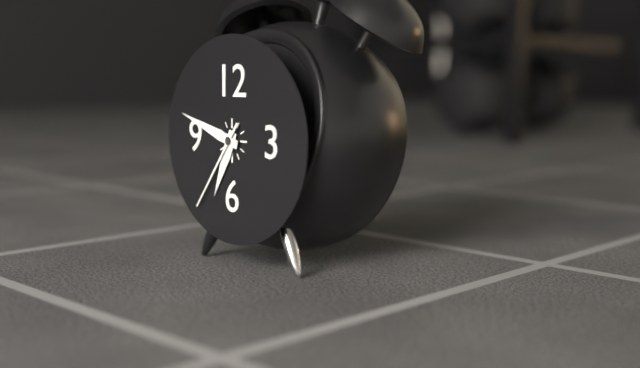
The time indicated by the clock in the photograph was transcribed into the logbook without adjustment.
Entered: 6:48:36
